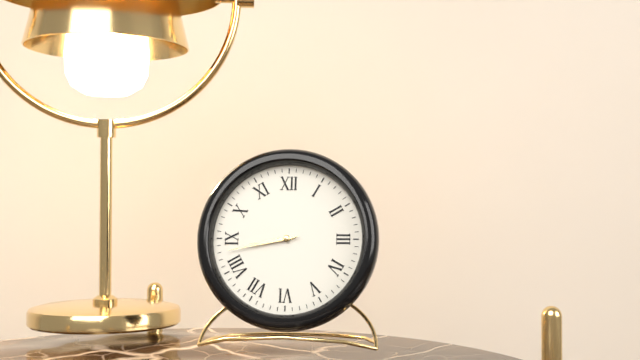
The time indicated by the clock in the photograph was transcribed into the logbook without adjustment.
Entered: 8:43
